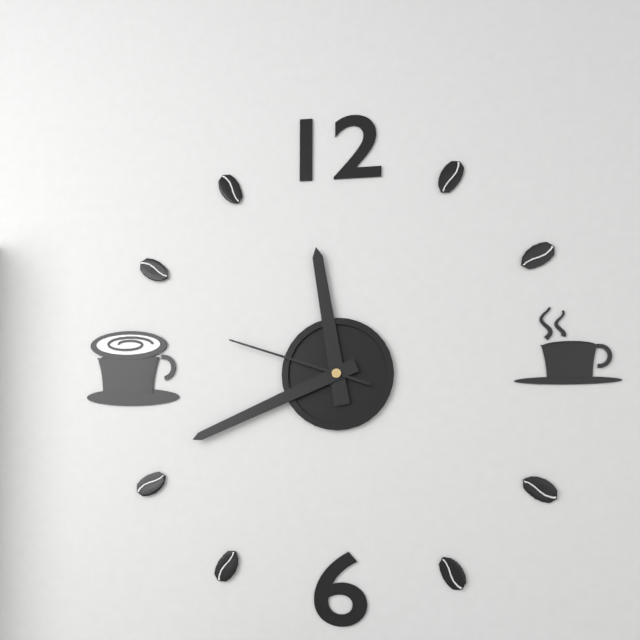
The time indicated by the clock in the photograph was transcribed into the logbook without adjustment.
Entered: 11:41:48
